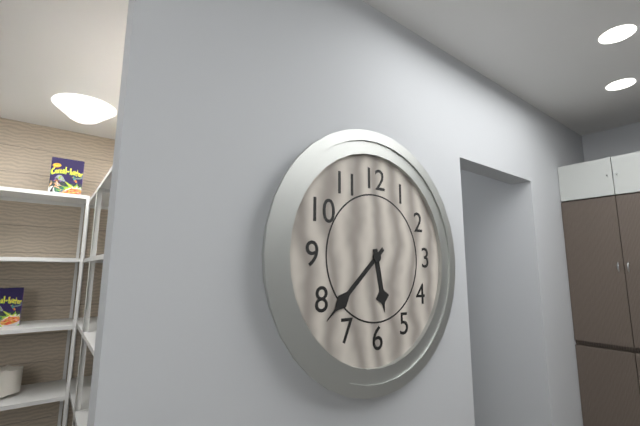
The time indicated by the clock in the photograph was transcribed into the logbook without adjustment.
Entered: 5:38
